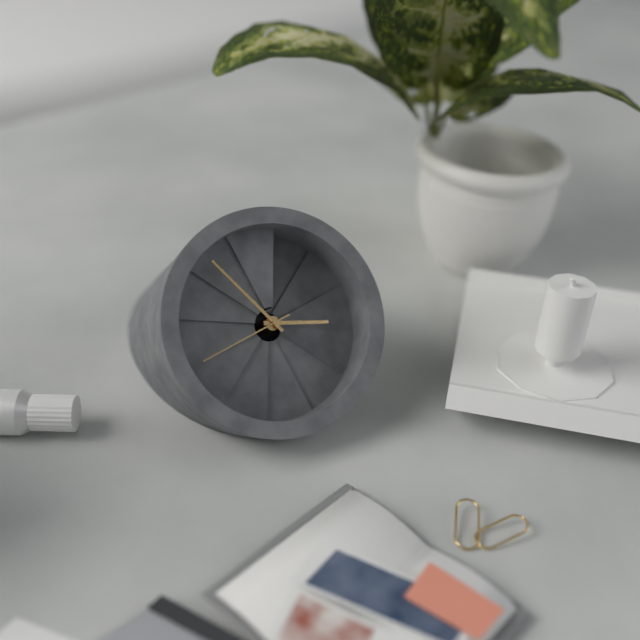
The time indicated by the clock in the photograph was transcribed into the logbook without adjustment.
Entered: 2:52:40
